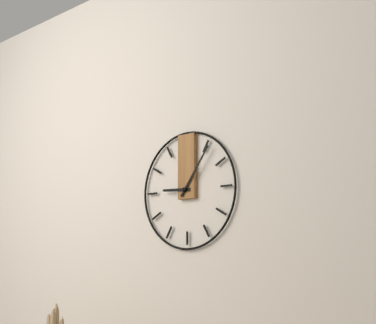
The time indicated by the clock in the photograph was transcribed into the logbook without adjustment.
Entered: 9:06
